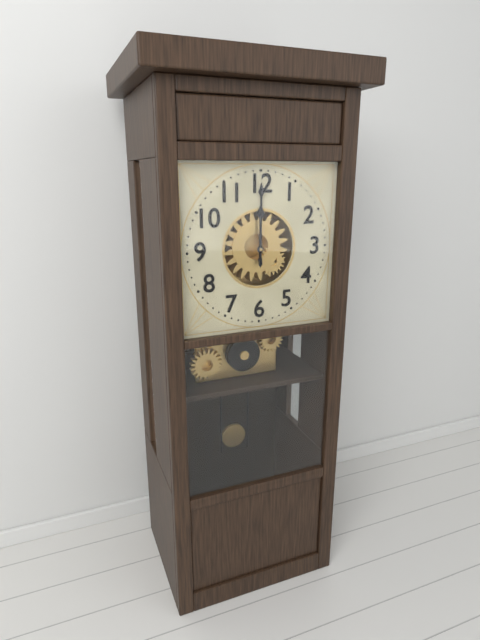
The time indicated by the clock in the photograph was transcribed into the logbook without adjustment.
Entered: 12:00
